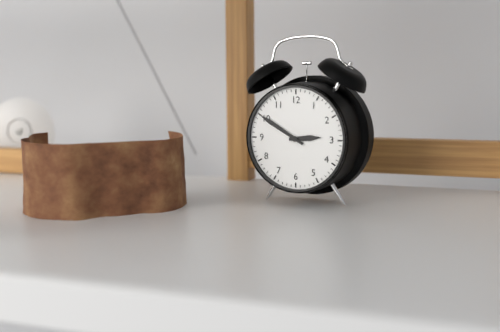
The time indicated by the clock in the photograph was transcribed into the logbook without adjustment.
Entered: 2:50
